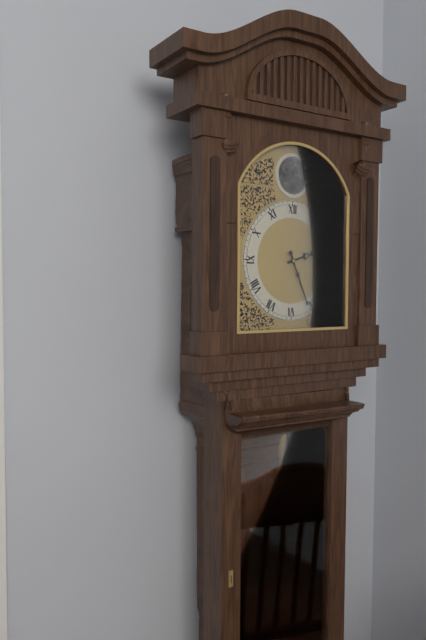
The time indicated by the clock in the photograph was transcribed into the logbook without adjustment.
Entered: 2:26
